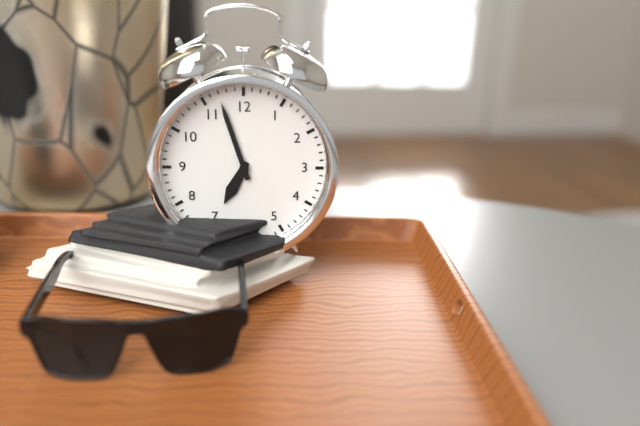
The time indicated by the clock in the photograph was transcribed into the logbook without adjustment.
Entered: 6:57
